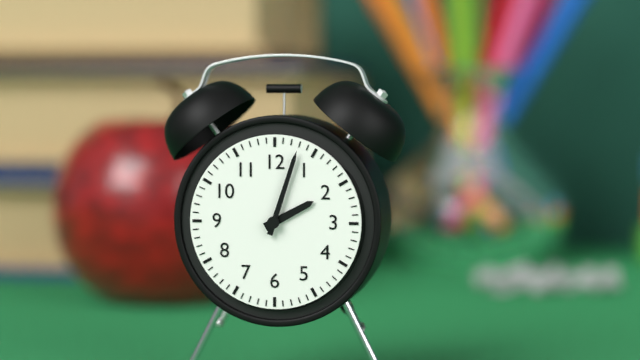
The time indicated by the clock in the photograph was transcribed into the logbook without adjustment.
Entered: 2:03
